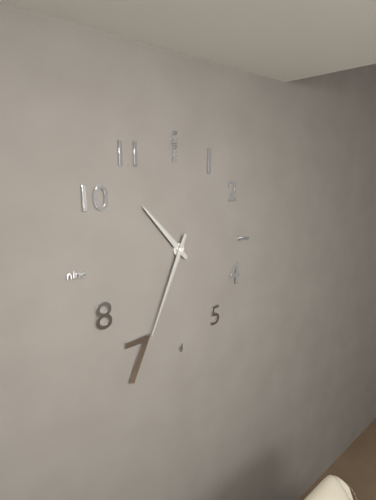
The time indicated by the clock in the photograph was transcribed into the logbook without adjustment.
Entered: 10:34
